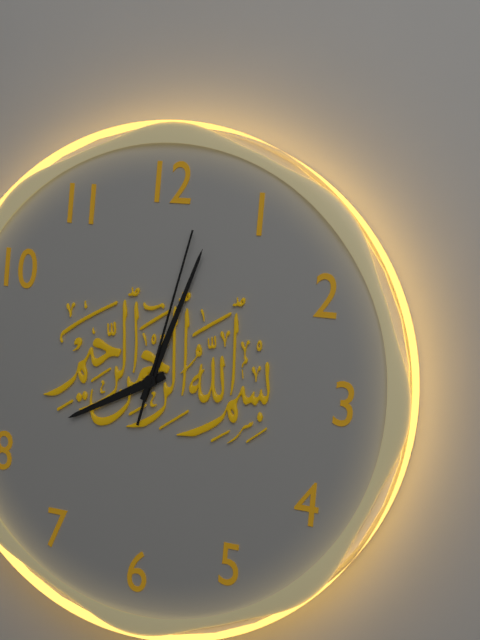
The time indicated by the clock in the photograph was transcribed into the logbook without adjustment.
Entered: 8:03:02
